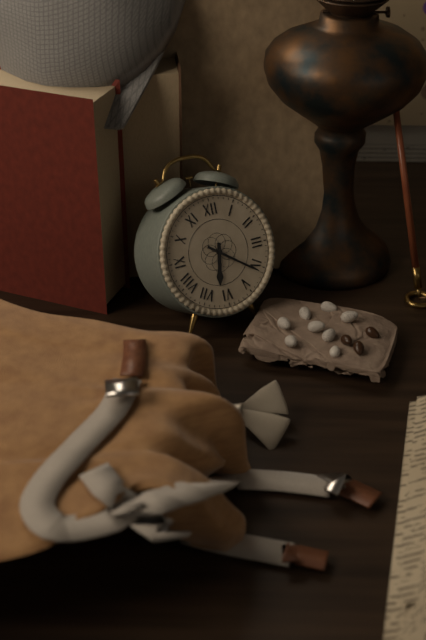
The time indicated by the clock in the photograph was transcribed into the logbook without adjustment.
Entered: 6:21
